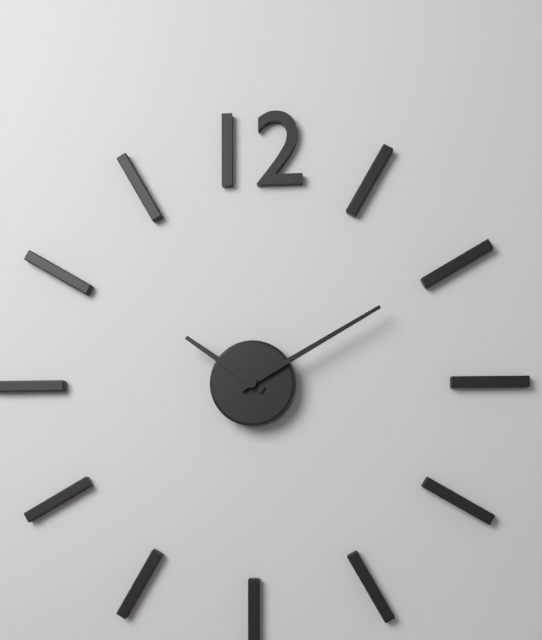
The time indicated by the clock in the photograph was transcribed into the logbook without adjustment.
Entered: 10:10
